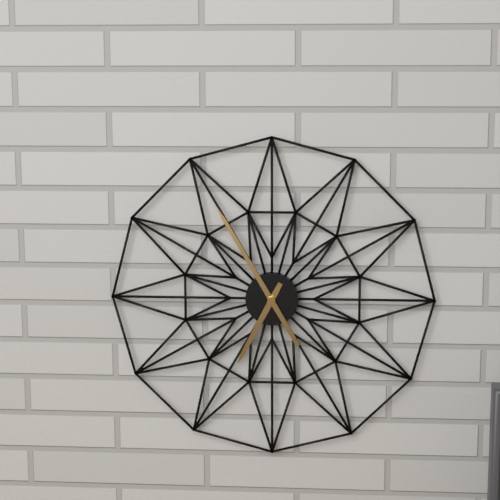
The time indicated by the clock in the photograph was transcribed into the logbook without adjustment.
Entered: 6:55
